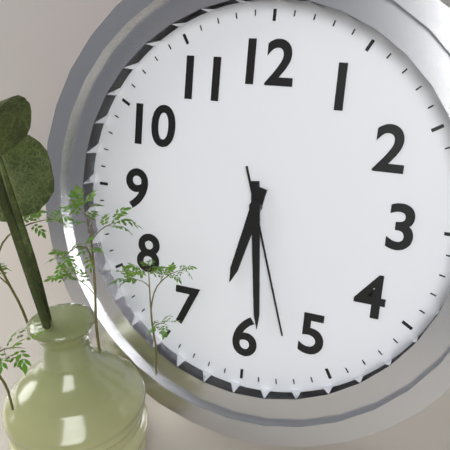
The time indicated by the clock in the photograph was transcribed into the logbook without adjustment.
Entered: 6:29:27
